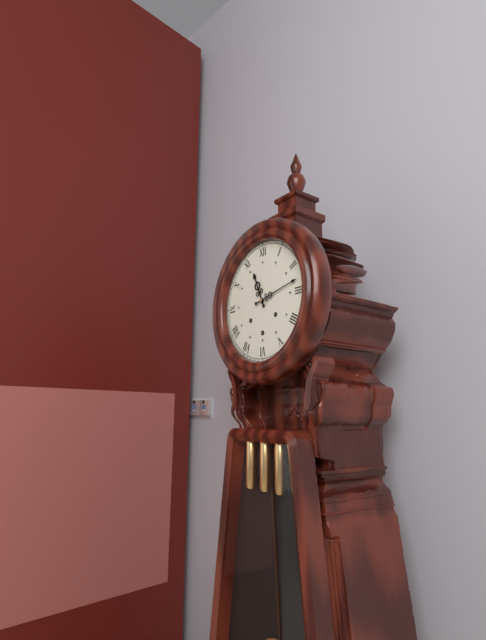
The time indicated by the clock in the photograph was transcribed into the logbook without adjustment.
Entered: 11:13
